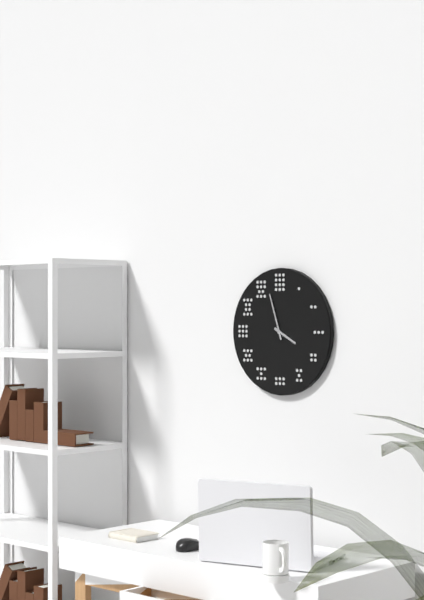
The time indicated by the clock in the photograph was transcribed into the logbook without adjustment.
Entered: 3:57
